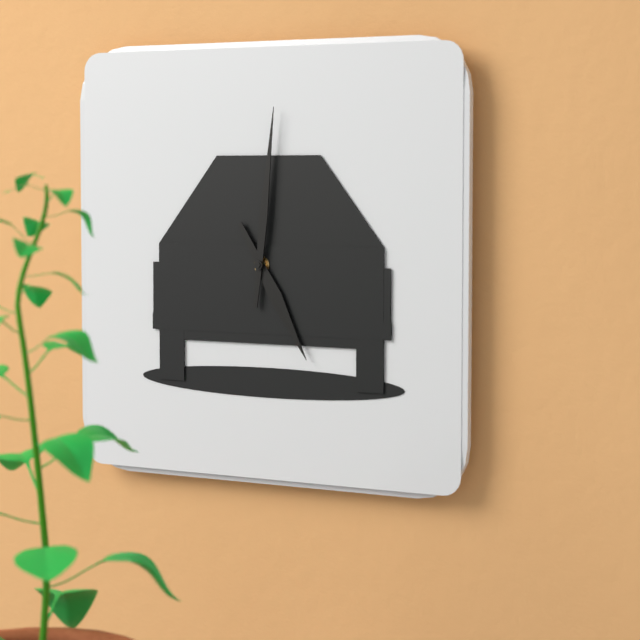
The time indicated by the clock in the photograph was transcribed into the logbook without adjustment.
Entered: 5:01
